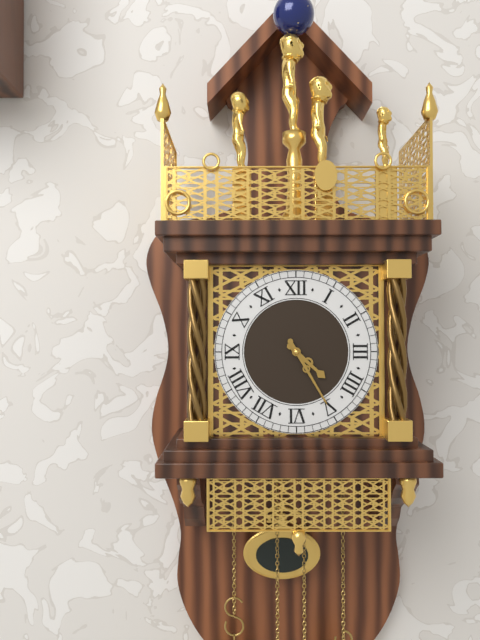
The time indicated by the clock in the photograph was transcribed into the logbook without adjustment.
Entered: 4:25
